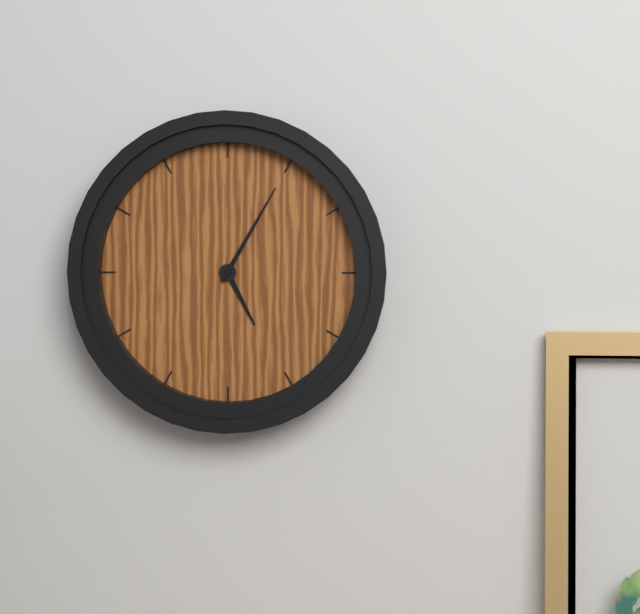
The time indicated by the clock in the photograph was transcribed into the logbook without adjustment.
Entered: 5:05
